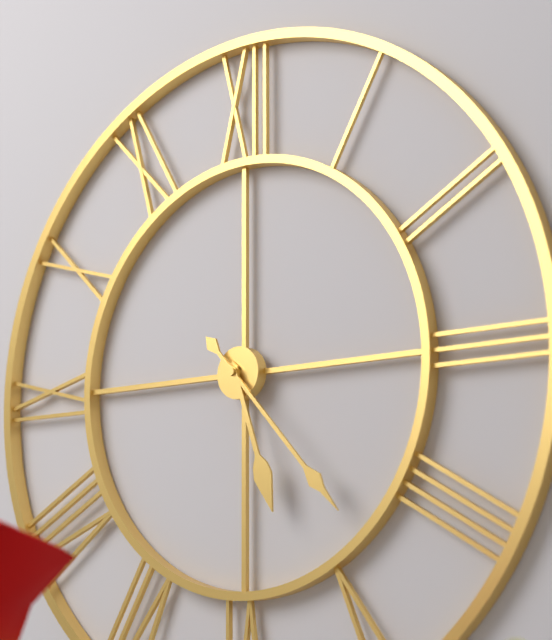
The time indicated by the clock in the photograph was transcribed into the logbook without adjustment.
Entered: 5:23
